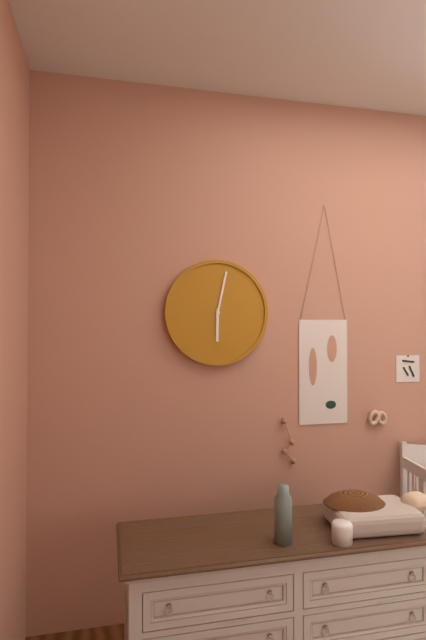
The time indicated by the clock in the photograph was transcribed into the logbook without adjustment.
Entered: 6:02
